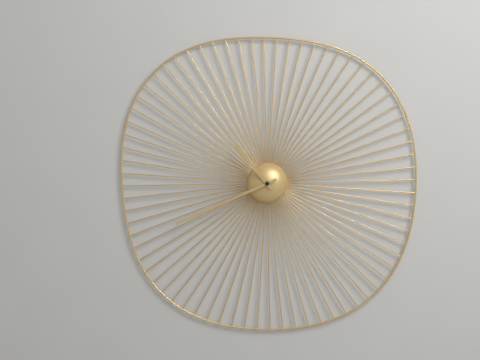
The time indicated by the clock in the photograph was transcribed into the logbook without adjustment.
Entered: 10:41
